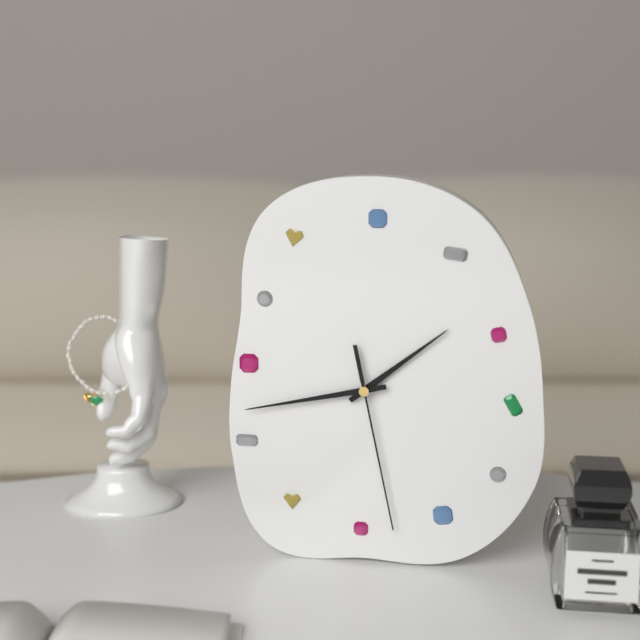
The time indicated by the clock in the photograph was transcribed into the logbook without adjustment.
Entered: 1:43:28
